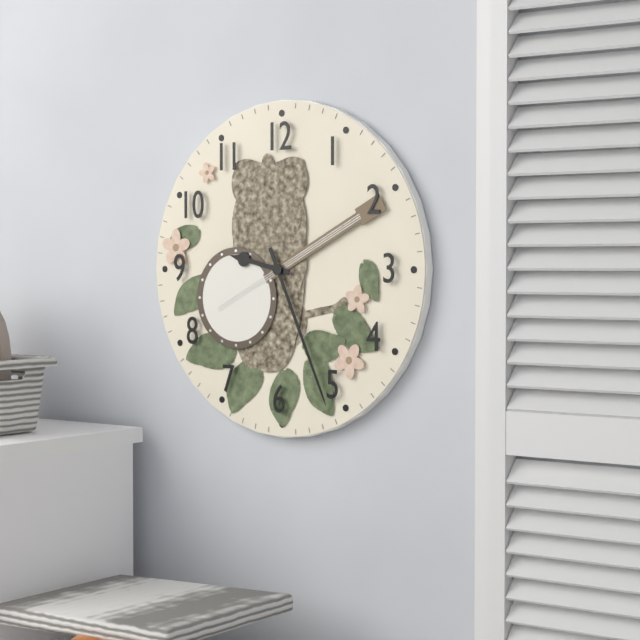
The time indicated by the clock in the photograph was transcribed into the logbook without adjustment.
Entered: 9:26
